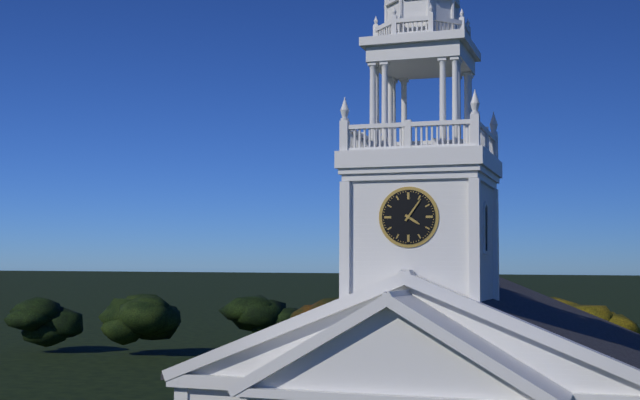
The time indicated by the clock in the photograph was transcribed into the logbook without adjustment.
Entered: 4:06
